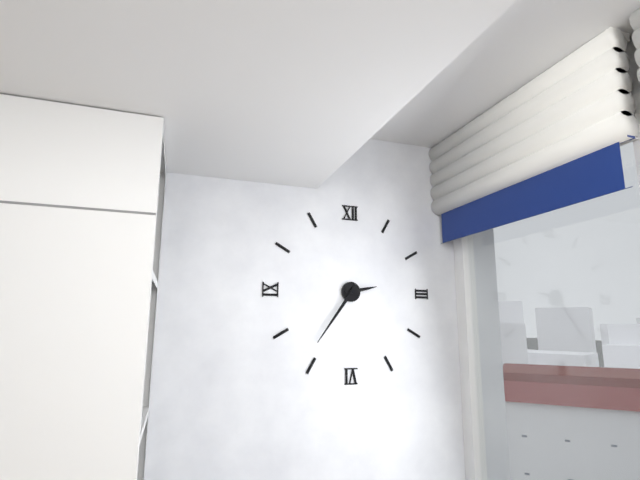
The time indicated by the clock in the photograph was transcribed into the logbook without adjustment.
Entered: 2:36
